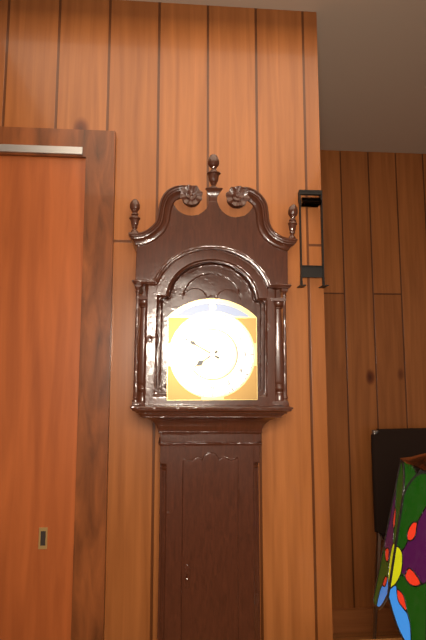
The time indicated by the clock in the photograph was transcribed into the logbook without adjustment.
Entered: 7:50
